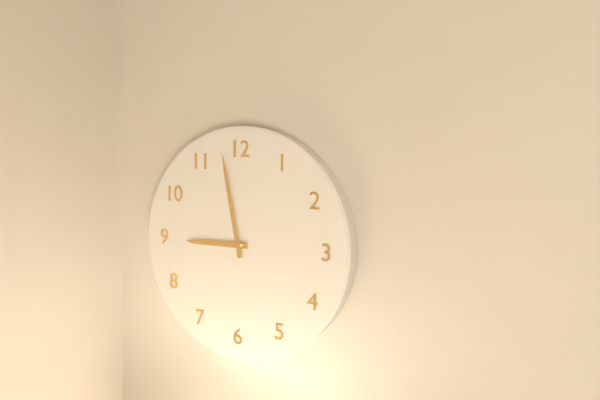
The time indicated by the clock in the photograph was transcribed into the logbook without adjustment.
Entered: 8:58
